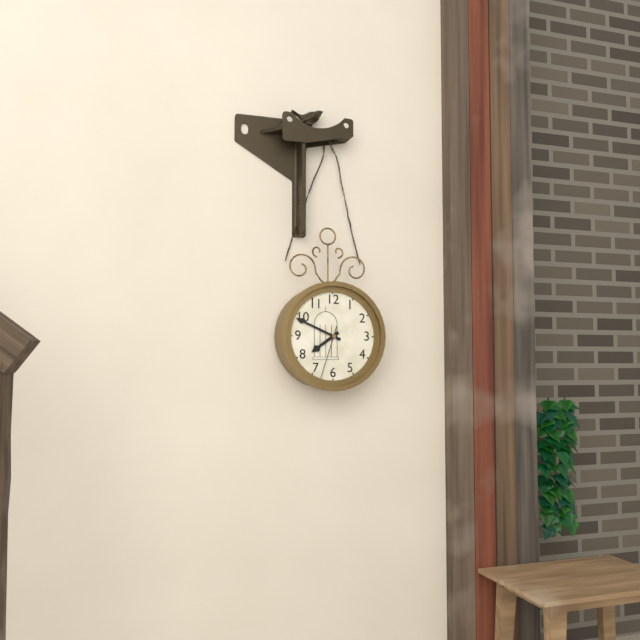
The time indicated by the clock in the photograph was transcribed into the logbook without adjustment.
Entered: 7:49:33
